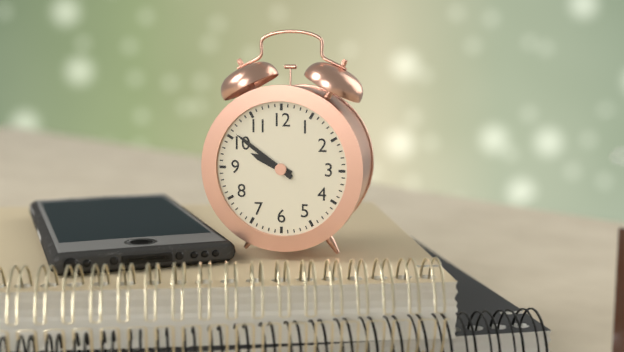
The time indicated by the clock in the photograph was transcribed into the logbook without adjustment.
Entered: 9:51
